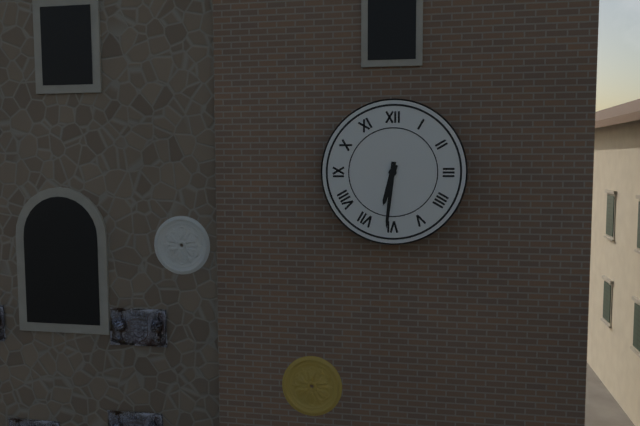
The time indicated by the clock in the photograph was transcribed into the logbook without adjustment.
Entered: 6:31
